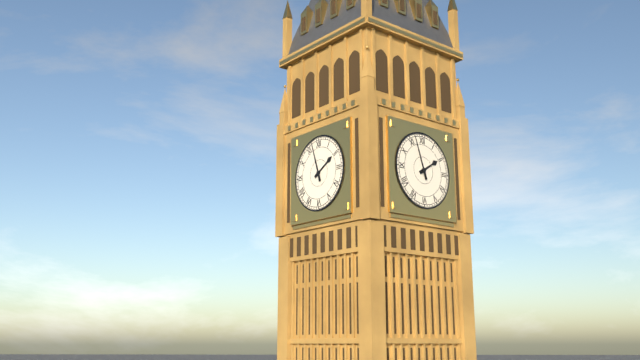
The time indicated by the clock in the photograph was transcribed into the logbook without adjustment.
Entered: 1:57
